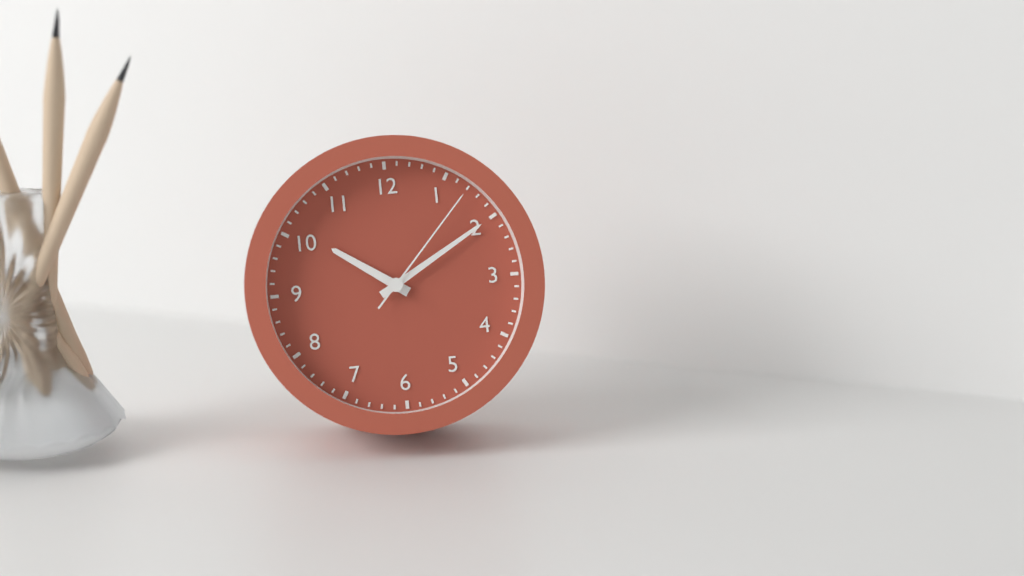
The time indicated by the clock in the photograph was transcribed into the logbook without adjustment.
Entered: 10:10:07
